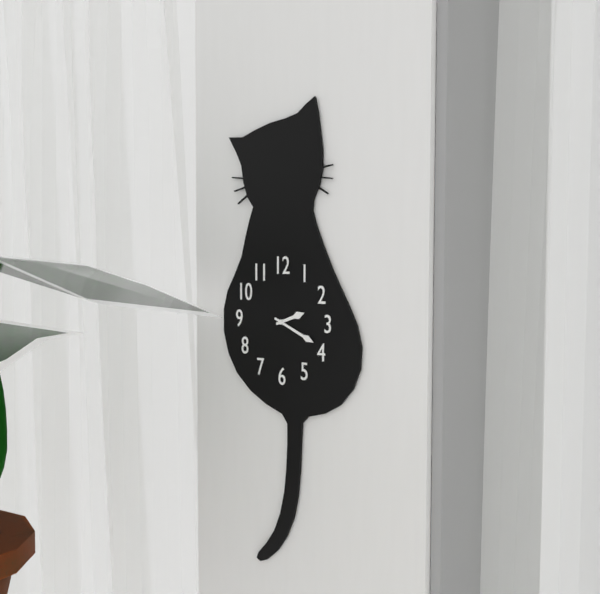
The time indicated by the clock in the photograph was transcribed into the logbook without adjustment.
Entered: 2:19
